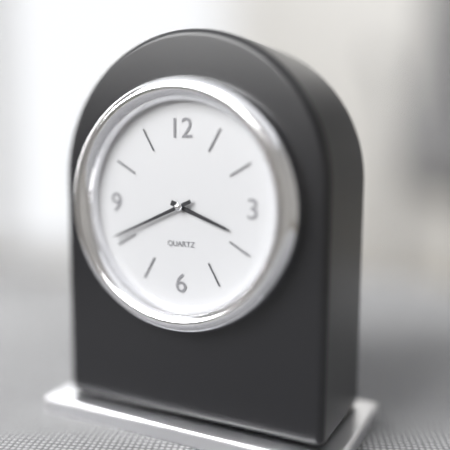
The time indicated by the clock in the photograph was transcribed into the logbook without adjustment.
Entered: 3:41
